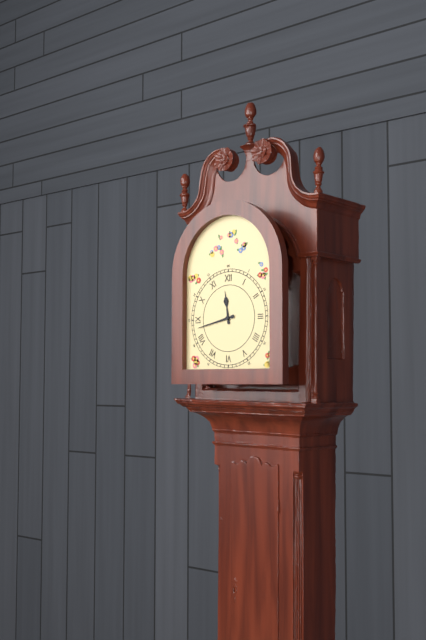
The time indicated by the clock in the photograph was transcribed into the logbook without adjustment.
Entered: 11:43
